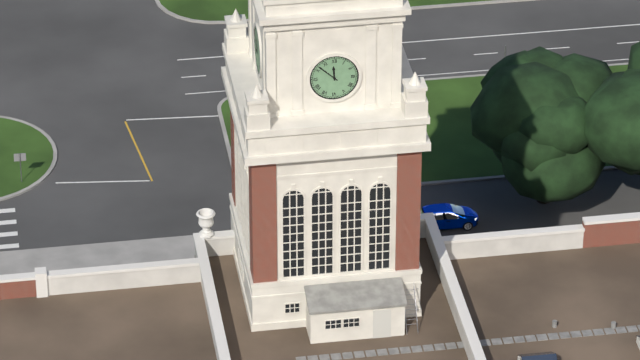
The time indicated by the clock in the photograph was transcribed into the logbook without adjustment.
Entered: 11:52
